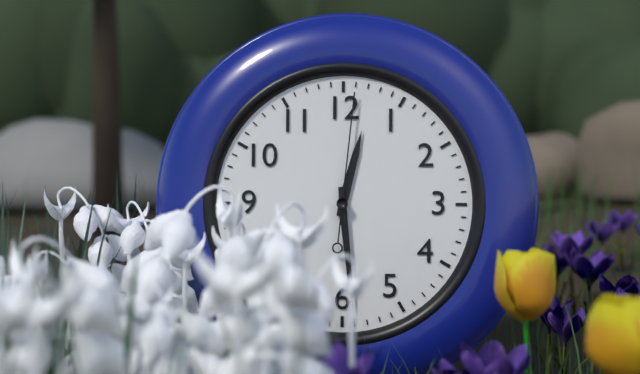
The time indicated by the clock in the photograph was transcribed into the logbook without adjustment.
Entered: 12:29:01
